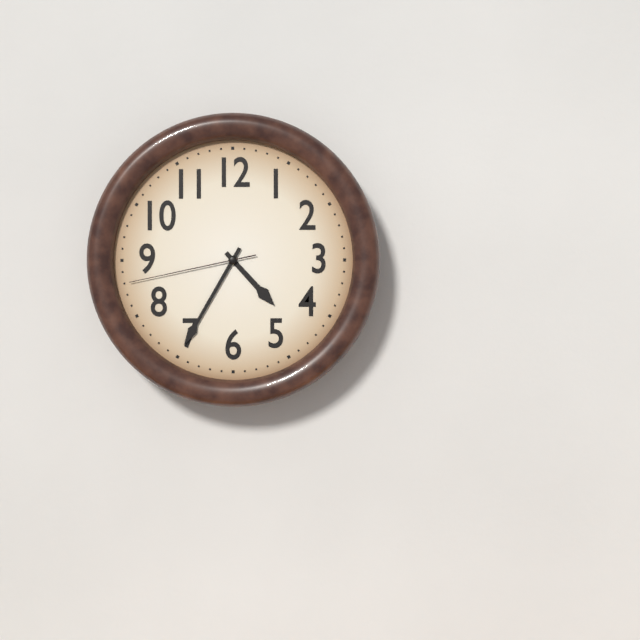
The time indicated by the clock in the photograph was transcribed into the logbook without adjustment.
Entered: 4:35:43
